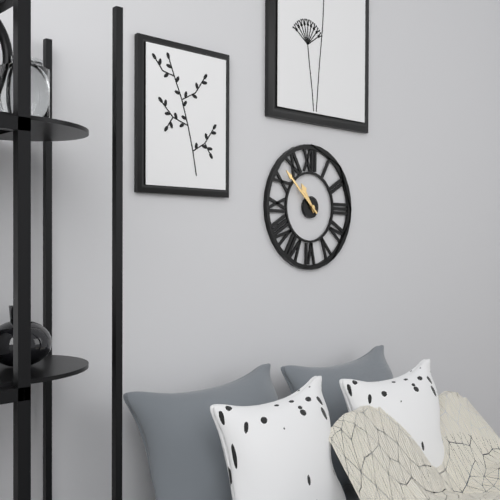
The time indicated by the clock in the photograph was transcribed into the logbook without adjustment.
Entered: 10:52
